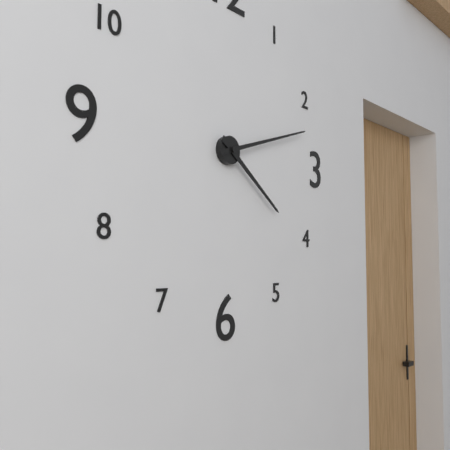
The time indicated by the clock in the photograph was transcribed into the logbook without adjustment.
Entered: 4:12
